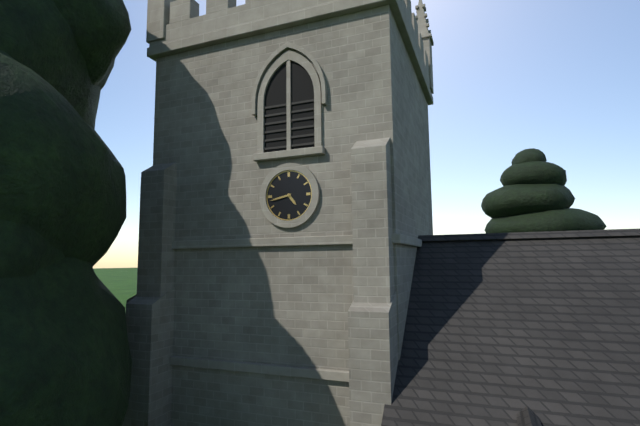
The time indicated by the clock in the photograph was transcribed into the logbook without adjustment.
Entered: 4:43
